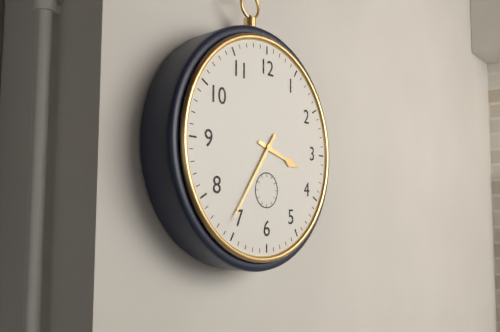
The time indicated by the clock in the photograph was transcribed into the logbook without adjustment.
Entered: 3:36
